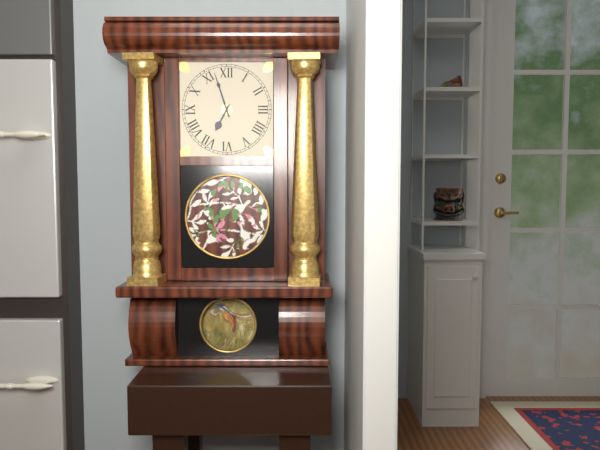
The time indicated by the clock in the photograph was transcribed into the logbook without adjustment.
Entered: 6:57
